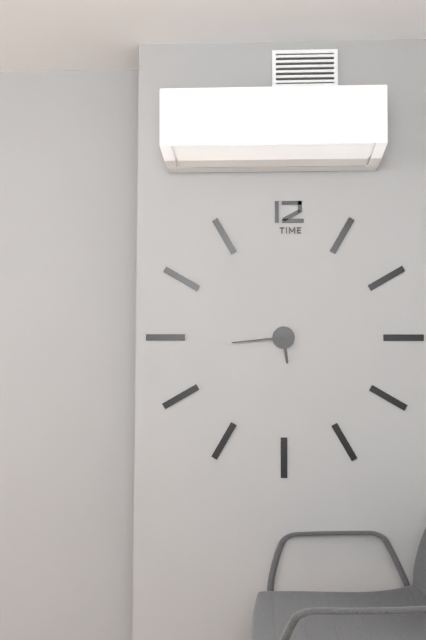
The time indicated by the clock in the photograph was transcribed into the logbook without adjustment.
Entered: 5:44
